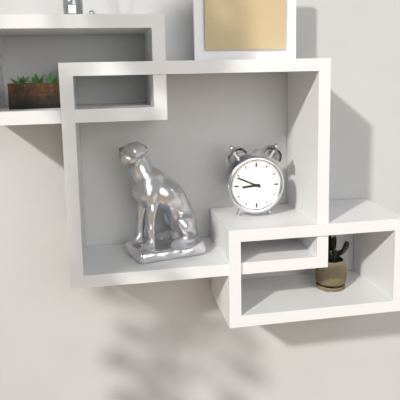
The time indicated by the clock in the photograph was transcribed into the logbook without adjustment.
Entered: 8:49
